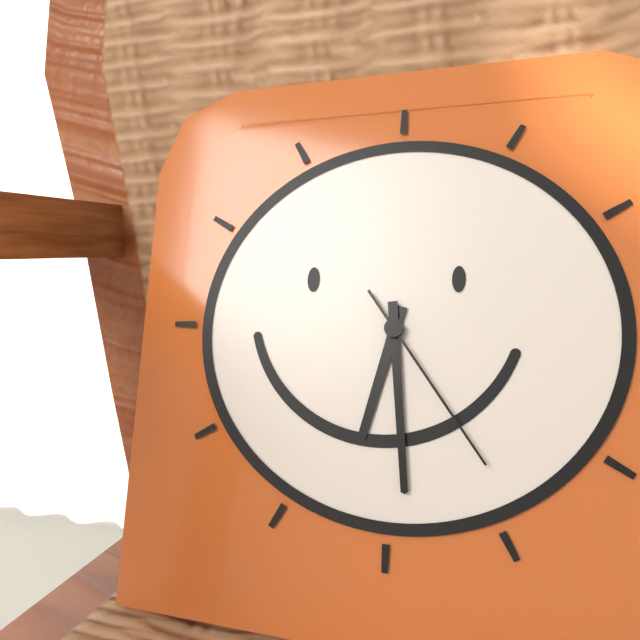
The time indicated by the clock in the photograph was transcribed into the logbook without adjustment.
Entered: 6:29:24
